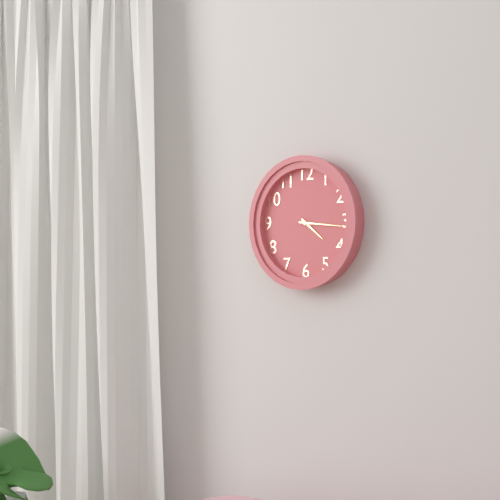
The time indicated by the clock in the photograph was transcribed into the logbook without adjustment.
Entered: 4:16
